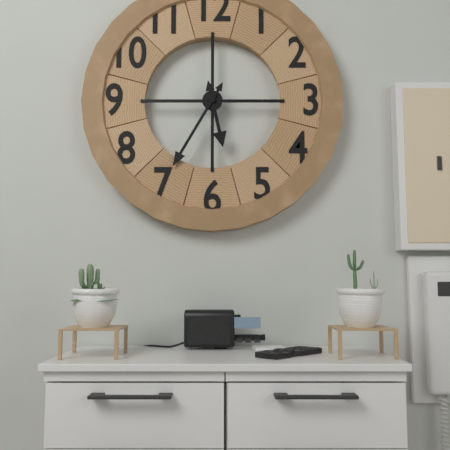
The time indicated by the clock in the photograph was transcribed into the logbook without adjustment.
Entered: 5:35
